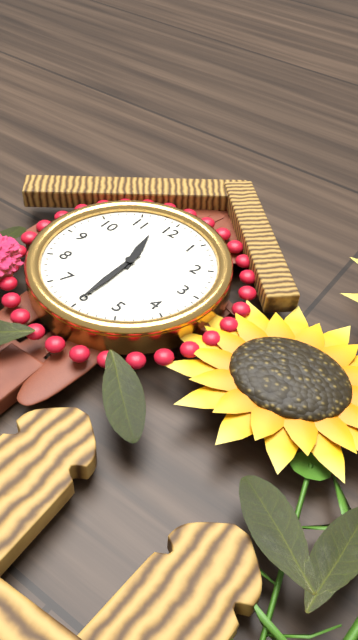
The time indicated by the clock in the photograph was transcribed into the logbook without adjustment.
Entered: 11:30
